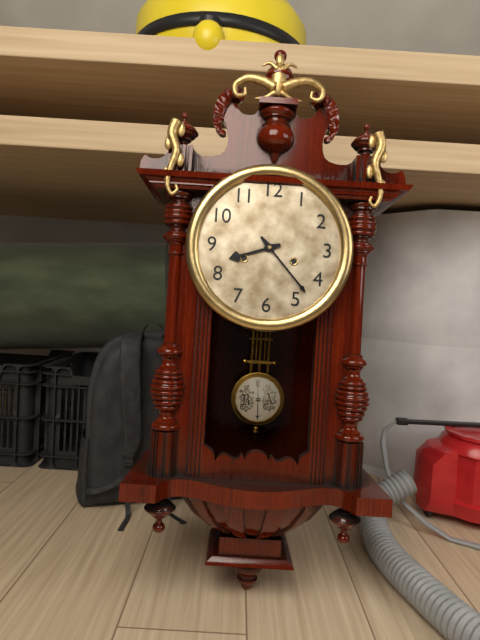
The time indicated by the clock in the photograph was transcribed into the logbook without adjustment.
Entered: 8:23
